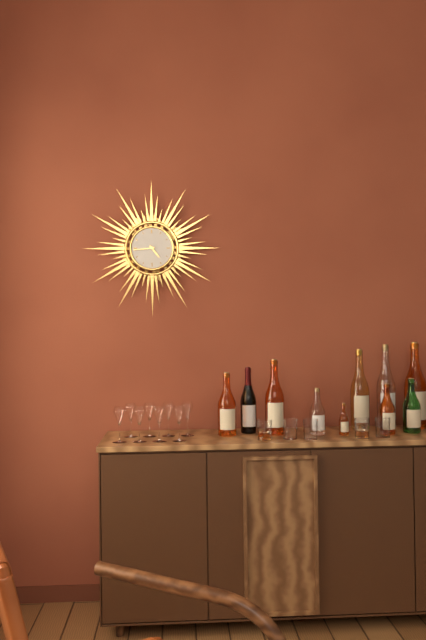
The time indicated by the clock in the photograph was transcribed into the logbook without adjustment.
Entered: 4:44
